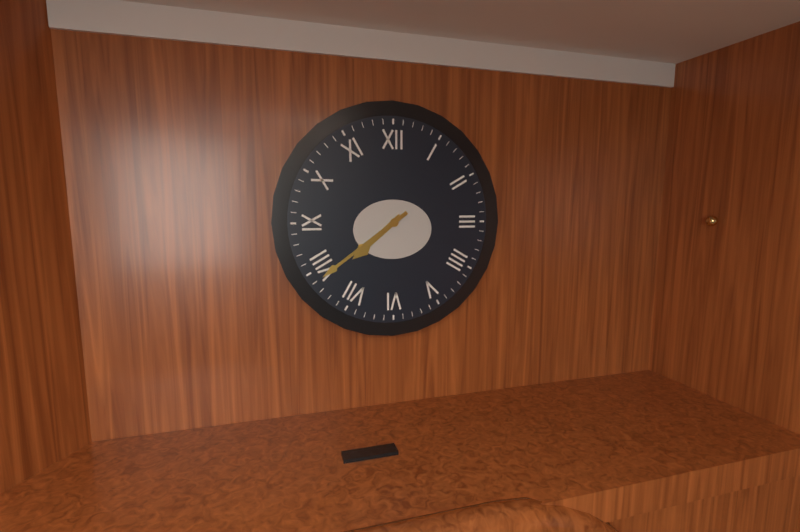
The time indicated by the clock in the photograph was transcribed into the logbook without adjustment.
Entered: 7:39
